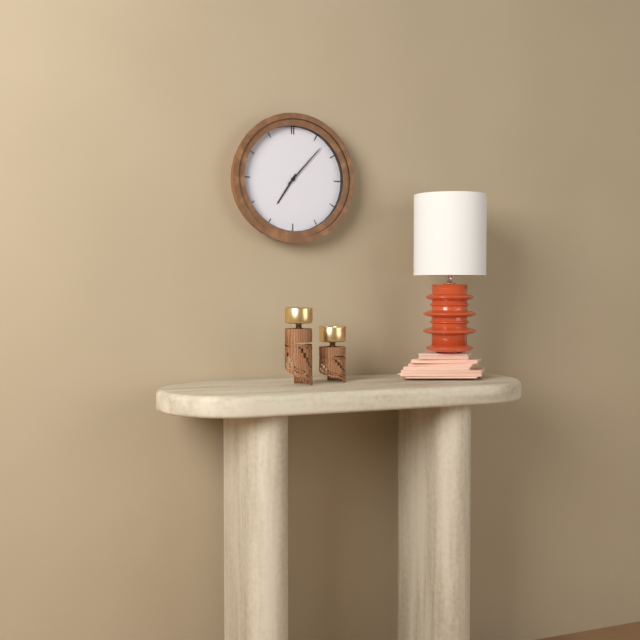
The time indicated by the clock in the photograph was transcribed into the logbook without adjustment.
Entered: 7:07
